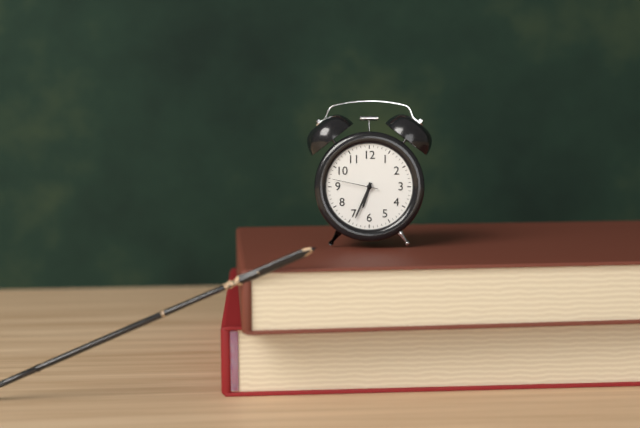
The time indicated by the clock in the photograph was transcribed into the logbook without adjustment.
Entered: 6:34
